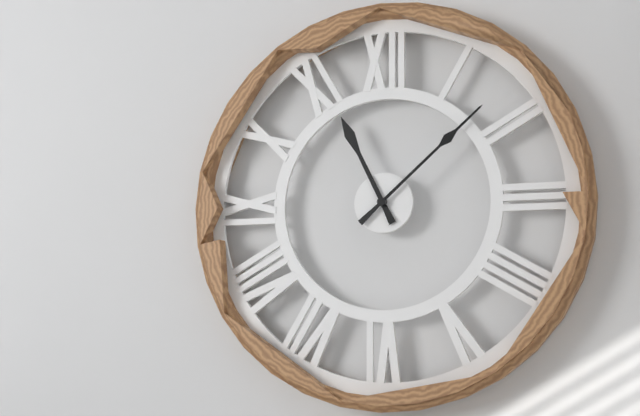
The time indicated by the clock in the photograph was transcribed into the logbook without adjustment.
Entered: 11:08
